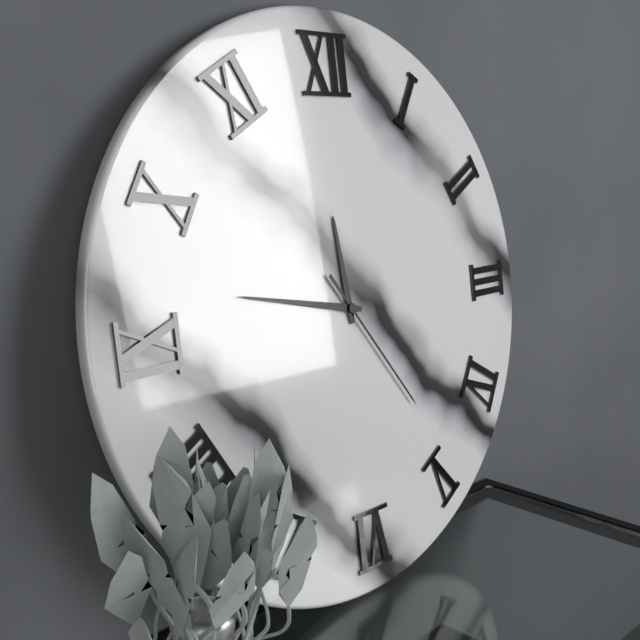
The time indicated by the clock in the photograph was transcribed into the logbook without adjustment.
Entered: 11:47:24
